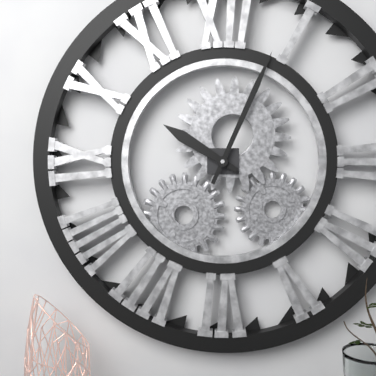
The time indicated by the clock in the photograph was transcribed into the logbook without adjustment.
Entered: 10:04
